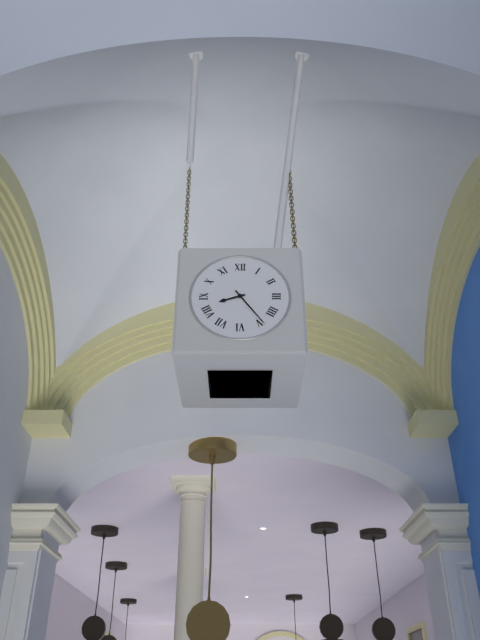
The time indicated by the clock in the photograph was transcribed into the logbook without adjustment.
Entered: 8:24
